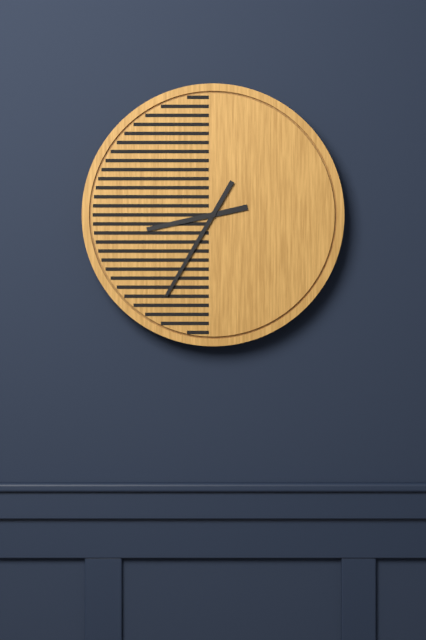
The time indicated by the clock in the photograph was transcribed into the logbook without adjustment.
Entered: 8:35
